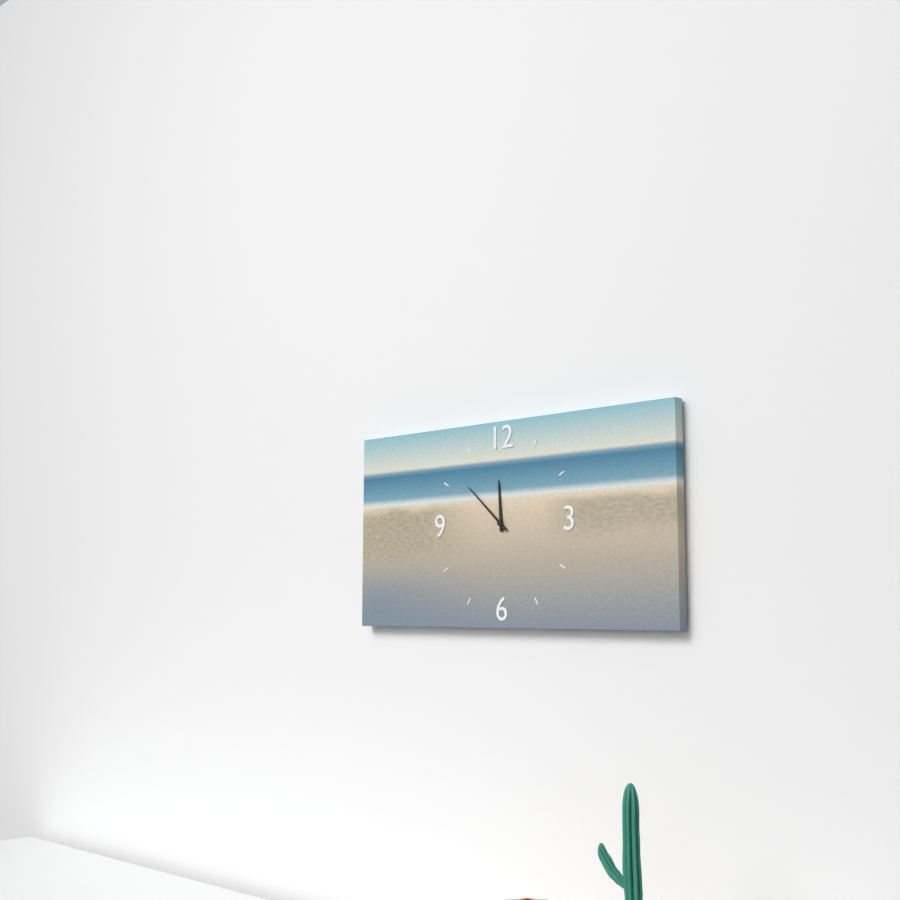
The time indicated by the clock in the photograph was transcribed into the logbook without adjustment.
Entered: 11:52
